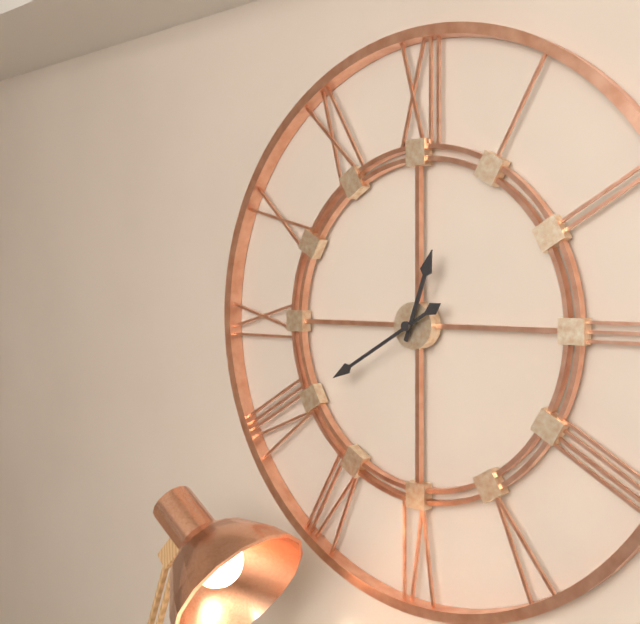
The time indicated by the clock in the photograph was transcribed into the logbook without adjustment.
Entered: 12:40
